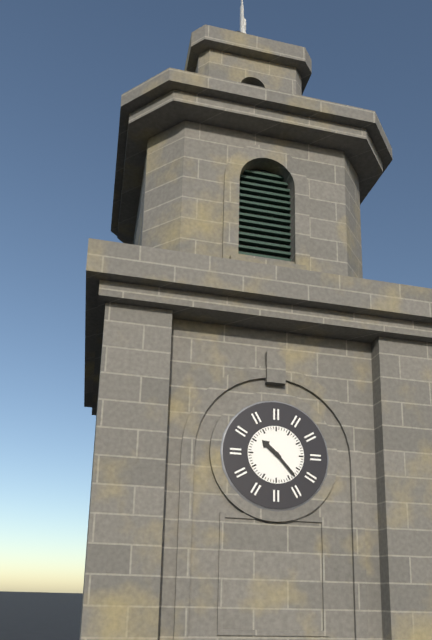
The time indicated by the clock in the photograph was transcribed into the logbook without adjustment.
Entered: 10:23
